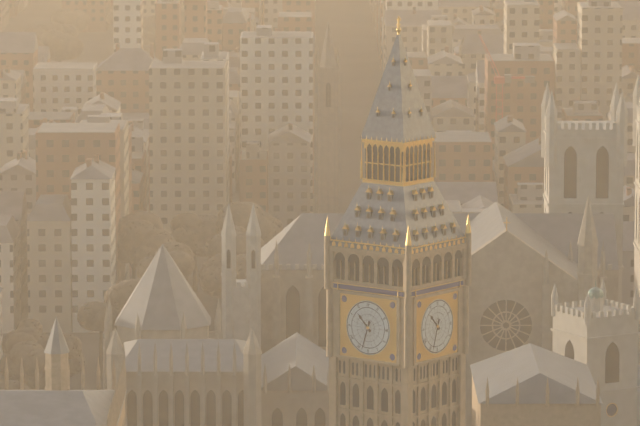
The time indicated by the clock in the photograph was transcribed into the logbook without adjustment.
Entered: 10:33
